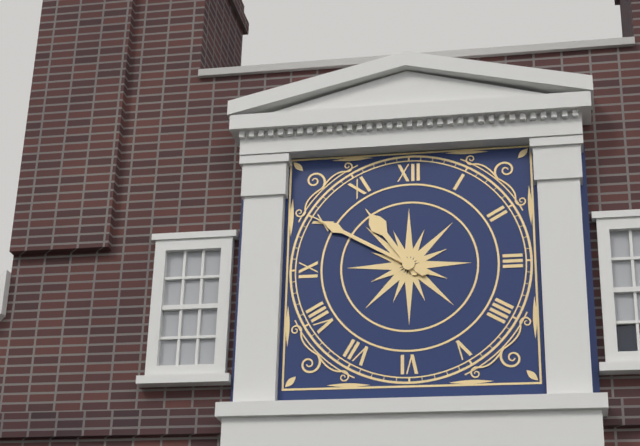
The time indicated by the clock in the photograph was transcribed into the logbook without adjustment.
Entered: 10:50
